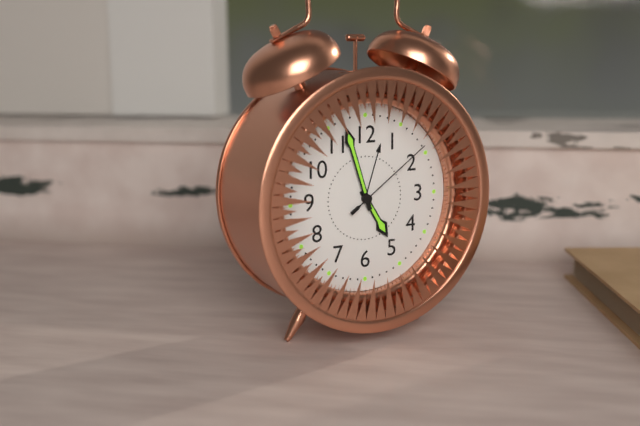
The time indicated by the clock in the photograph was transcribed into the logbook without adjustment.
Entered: 4:57:09
